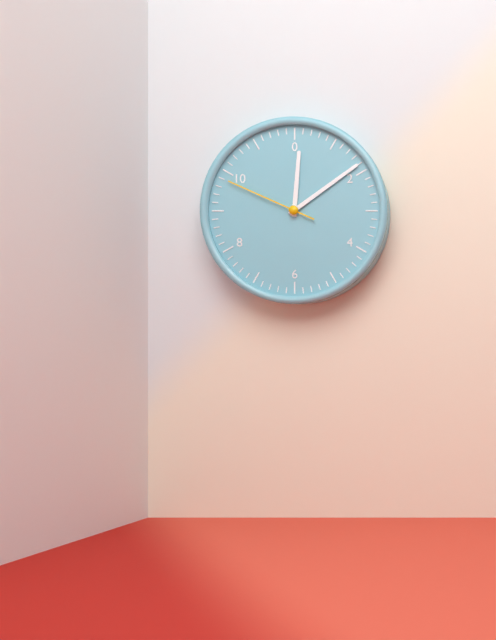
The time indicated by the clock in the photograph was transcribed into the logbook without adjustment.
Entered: 12:09:49
